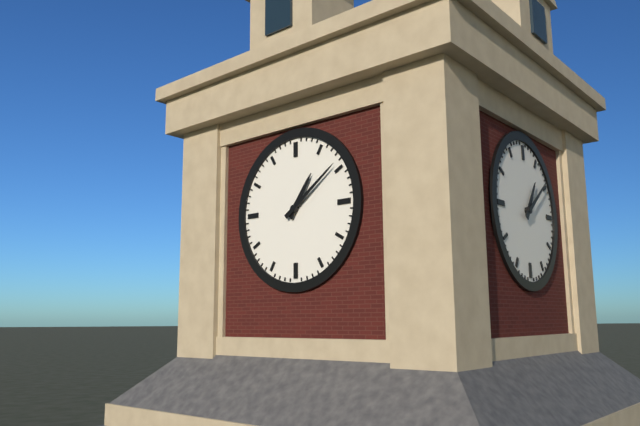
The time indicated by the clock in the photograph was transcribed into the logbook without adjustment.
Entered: 1:09
